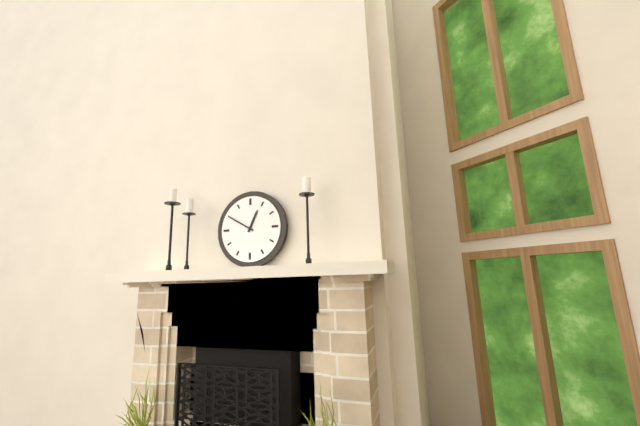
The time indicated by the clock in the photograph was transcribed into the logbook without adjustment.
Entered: 12:50
